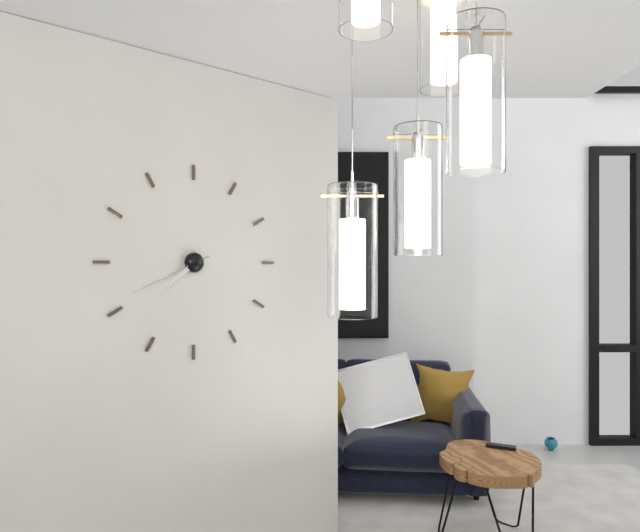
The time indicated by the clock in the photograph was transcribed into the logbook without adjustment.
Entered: 7:41
